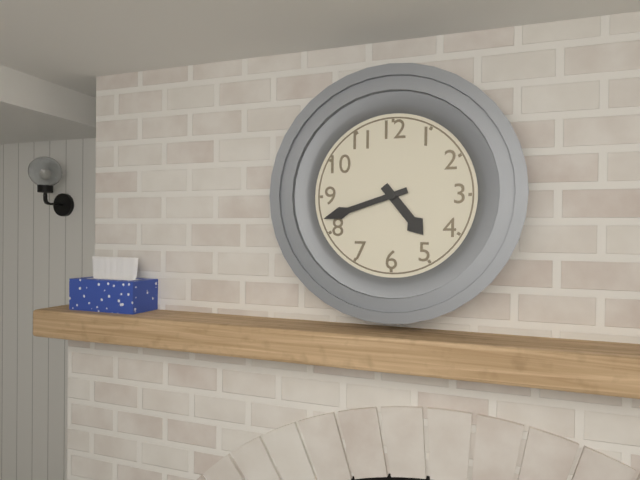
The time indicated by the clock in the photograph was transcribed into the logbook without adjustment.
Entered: 4:42
